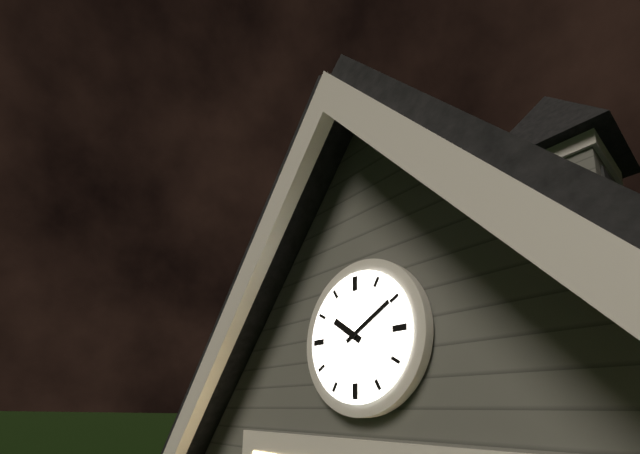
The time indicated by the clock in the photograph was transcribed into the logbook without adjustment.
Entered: 10:10
